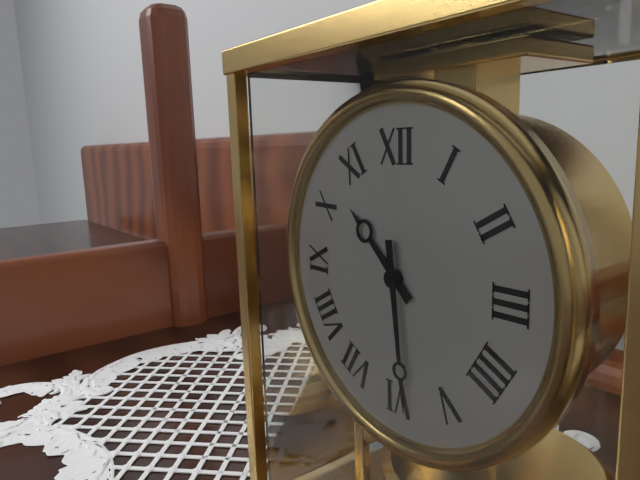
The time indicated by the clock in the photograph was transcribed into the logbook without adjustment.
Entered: 10:29
